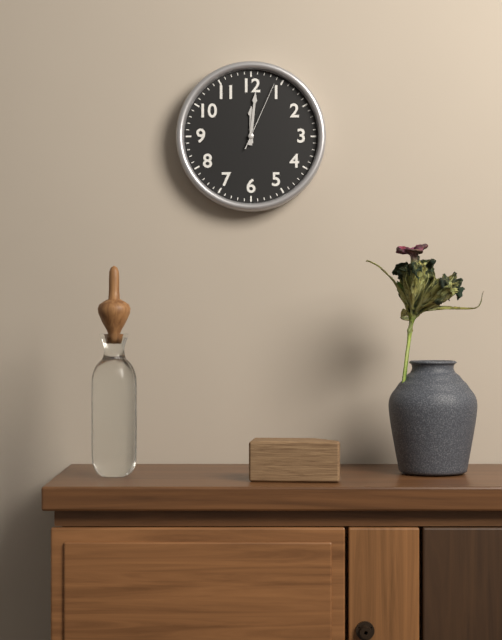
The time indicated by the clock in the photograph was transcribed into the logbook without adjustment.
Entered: 12:01:04
